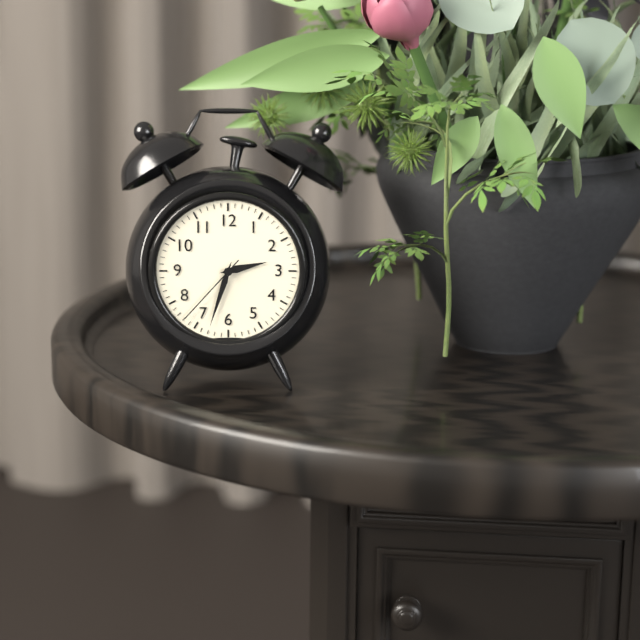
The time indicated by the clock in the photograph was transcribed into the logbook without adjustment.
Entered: 2:33:37
